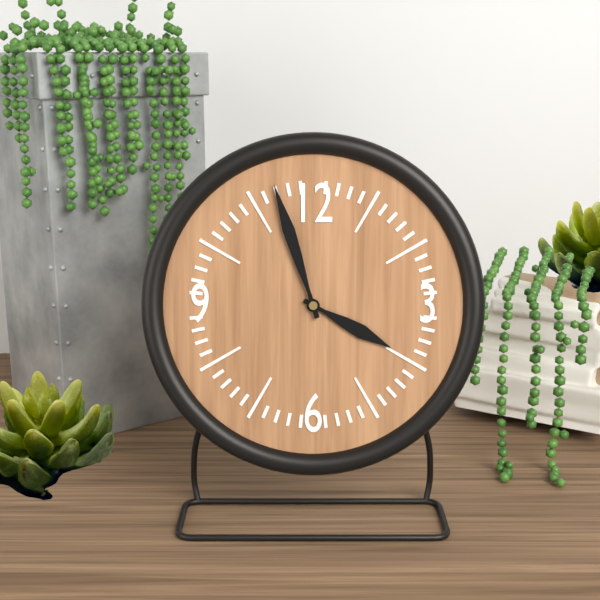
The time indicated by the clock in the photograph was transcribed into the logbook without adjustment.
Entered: 3:57
